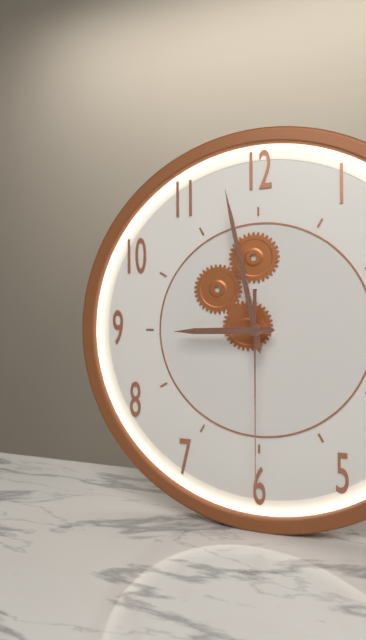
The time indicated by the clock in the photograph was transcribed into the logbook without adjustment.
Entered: 8:58:30
